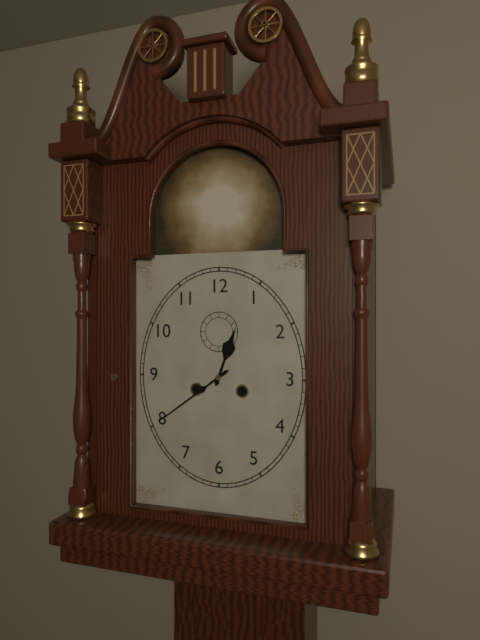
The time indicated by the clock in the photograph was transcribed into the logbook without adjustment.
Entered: 12:39
